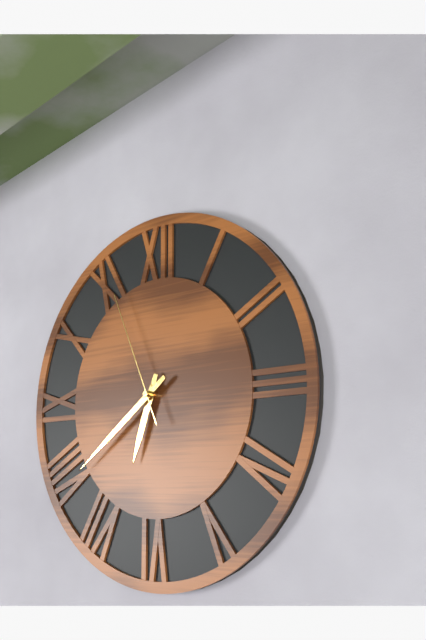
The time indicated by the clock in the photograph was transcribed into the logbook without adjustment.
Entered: 6:39:56
